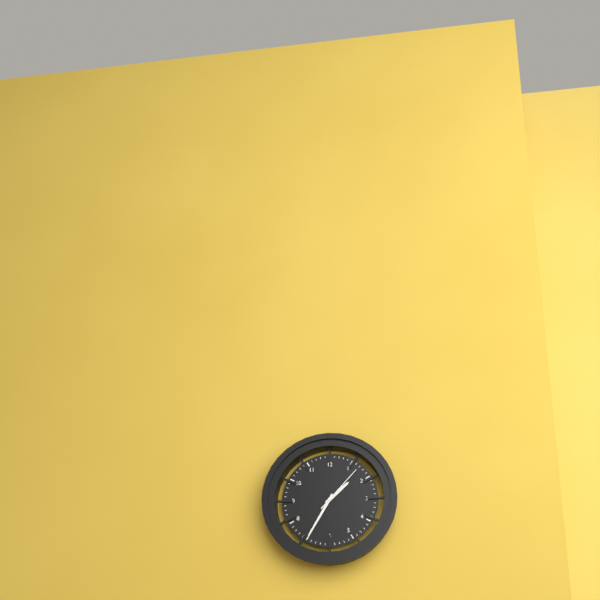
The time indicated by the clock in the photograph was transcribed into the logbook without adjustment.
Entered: 1:35:07
